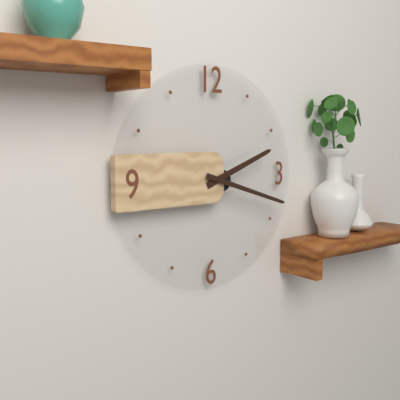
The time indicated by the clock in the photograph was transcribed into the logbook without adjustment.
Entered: 2:18
